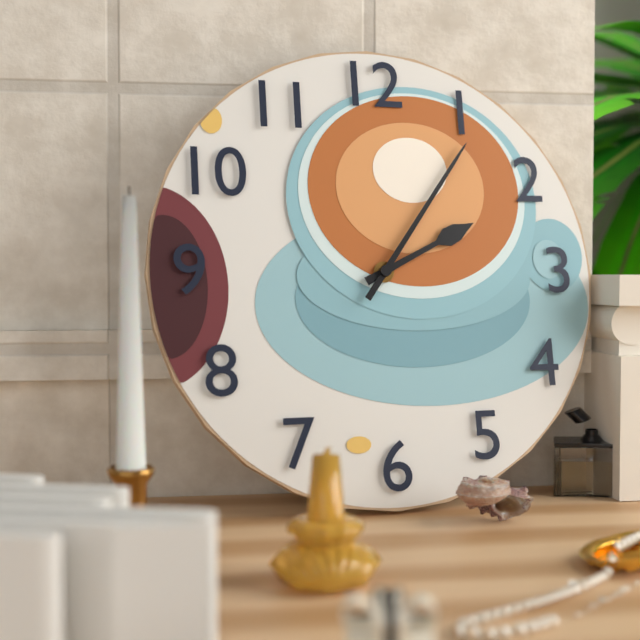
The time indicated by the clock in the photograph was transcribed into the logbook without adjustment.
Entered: 2:06
